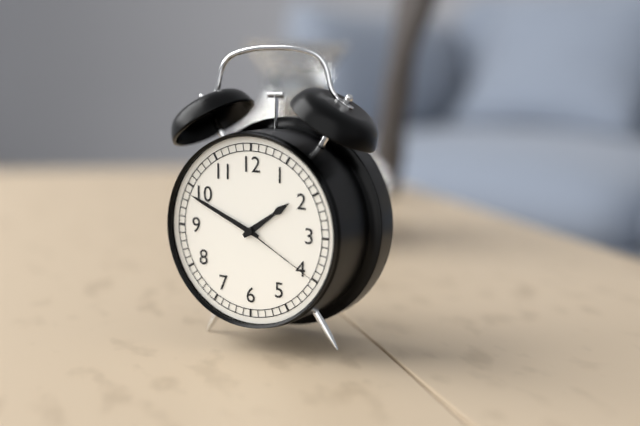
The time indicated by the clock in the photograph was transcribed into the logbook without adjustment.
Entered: 1:49:20
